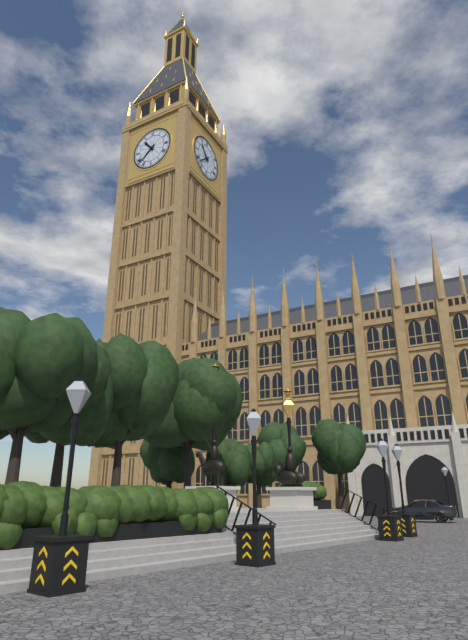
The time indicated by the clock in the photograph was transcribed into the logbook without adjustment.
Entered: 10:38
